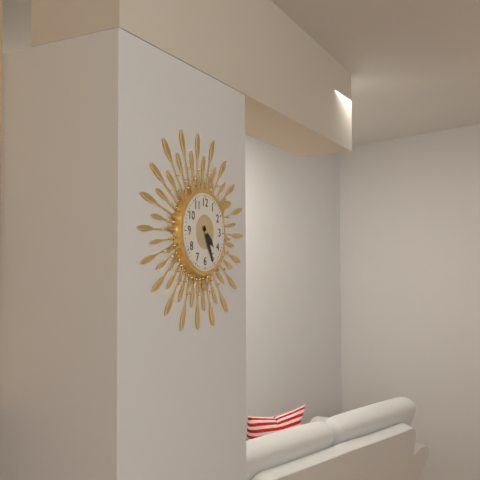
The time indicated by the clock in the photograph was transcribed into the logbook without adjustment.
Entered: 4:26
